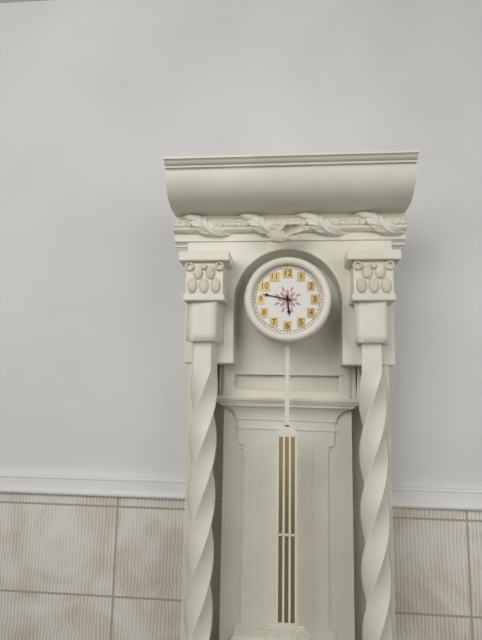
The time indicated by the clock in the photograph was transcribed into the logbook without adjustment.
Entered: 5:47
